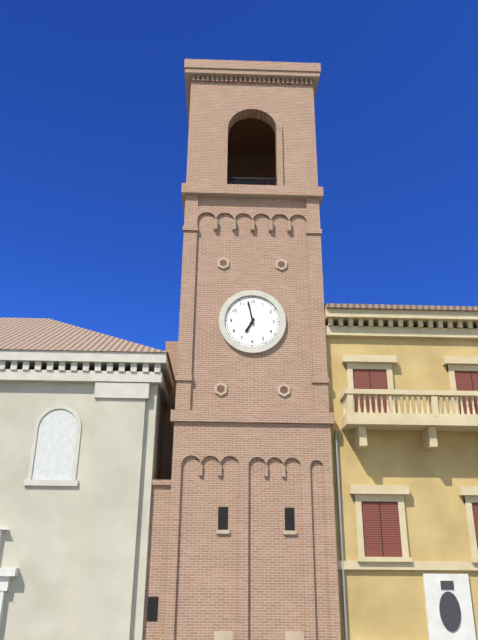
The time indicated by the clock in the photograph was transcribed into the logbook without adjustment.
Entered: 6:58
